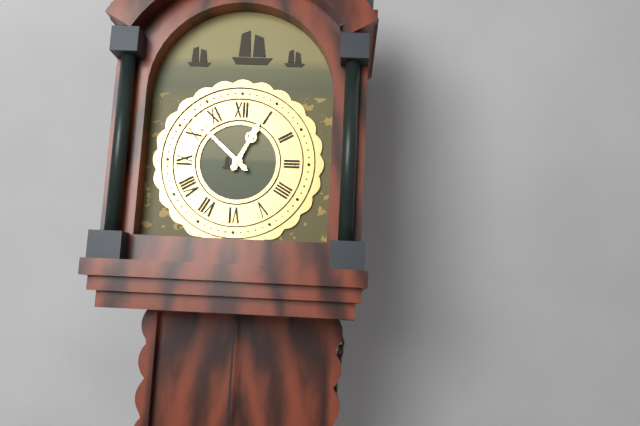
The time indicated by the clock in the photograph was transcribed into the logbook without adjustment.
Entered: 12:52
